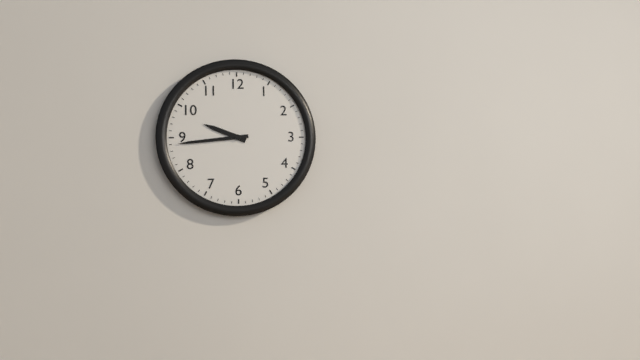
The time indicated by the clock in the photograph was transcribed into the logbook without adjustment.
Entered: 9:44
